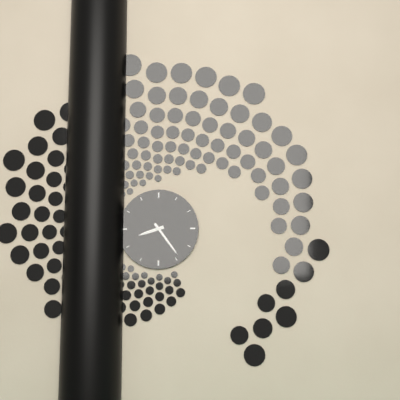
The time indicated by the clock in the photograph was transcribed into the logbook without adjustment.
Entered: 8:24
